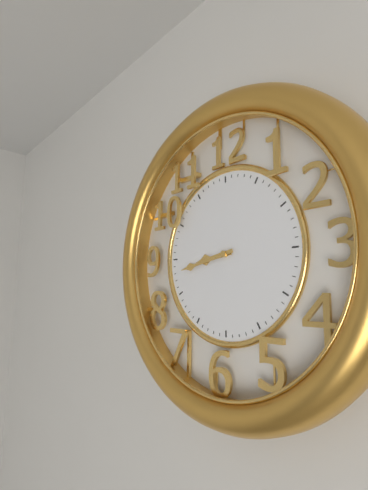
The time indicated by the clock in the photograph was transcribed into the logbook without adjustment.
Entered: 8:43
